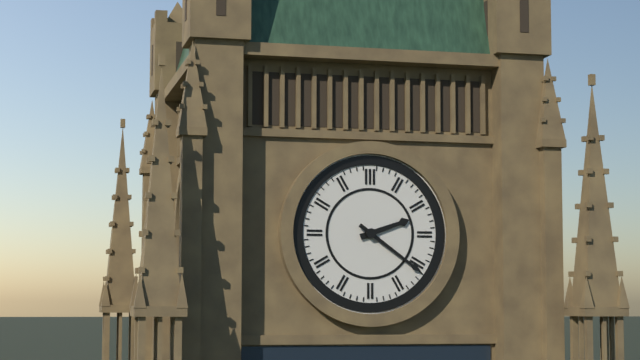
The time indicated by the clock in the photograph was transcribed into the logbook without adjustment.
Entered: 2:21
